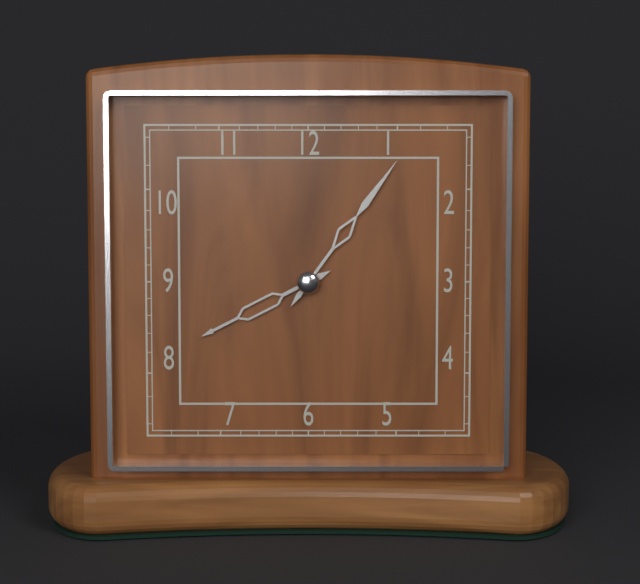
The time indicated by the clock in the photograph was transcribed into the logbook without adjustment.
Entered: 8:06
